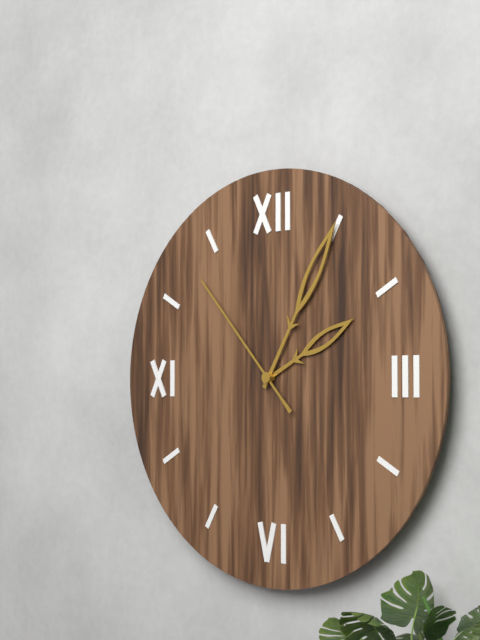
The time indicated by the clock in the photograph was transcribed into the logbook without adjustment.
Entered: 2:05:53
